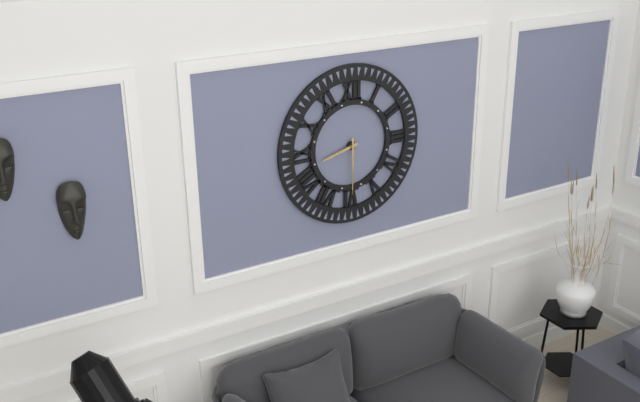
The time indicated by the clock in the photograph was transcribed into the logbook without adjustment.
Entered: 8:30
